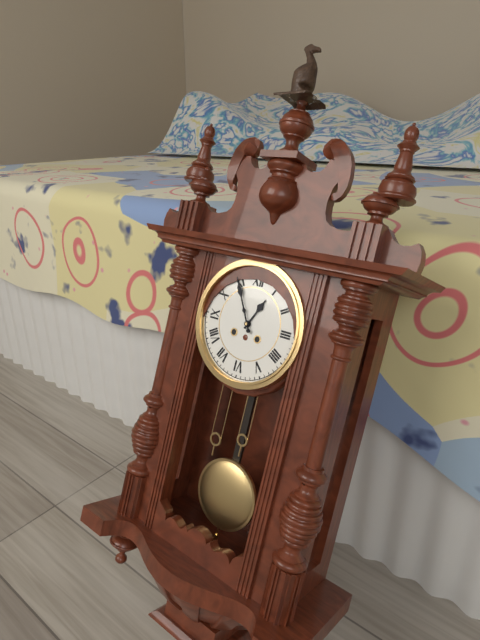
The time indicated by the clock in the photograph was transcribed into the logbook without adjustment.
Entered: 12:55
